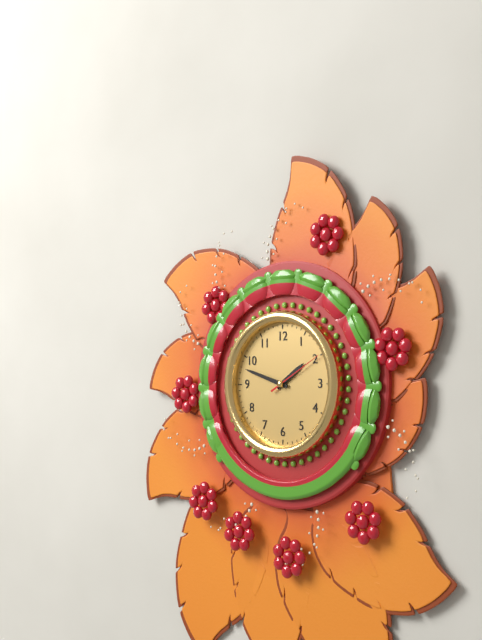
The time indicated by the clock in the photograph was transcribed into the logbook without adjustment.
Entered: 1:48:10
